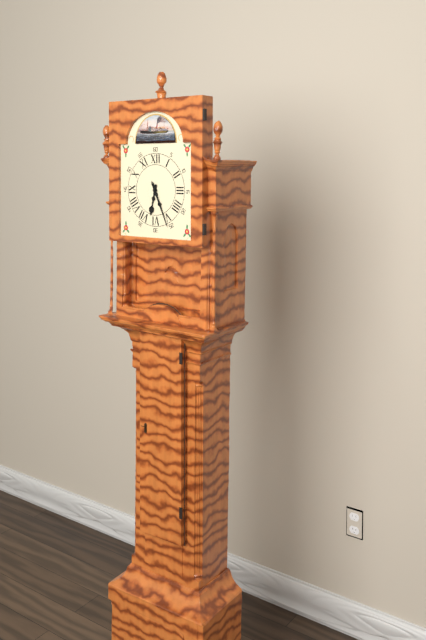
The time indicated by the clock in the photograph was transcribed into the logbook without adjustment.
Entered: 6:26
